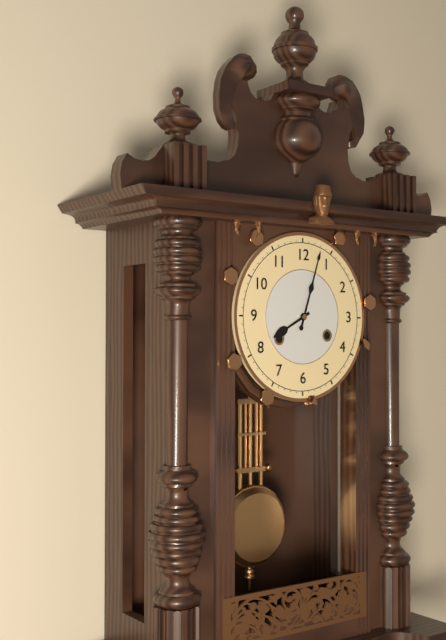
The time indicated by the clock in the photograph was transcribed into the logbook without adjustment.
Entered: 8:03
